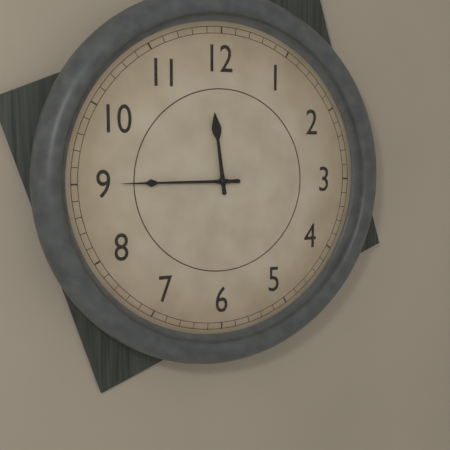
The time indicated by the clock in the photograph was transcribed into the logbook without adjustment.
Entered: 11:45
